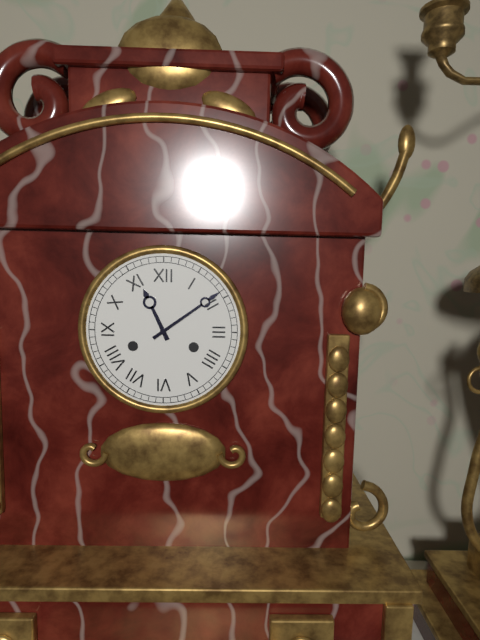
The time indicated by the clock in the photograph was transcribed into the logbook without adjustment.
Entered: 11:09
